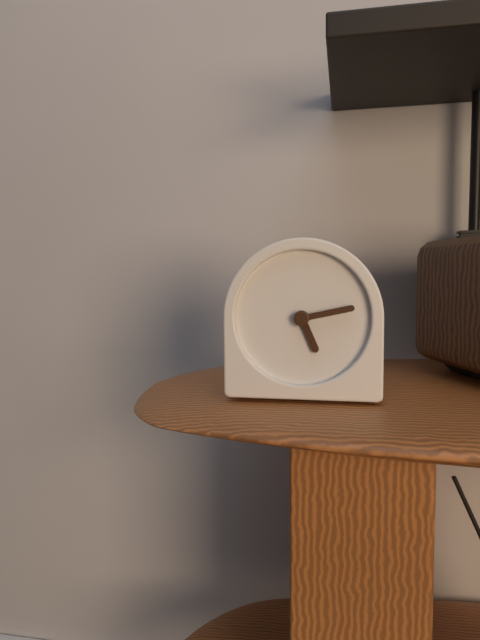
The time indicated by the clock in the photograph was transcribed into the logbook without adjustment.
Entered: 5:13
